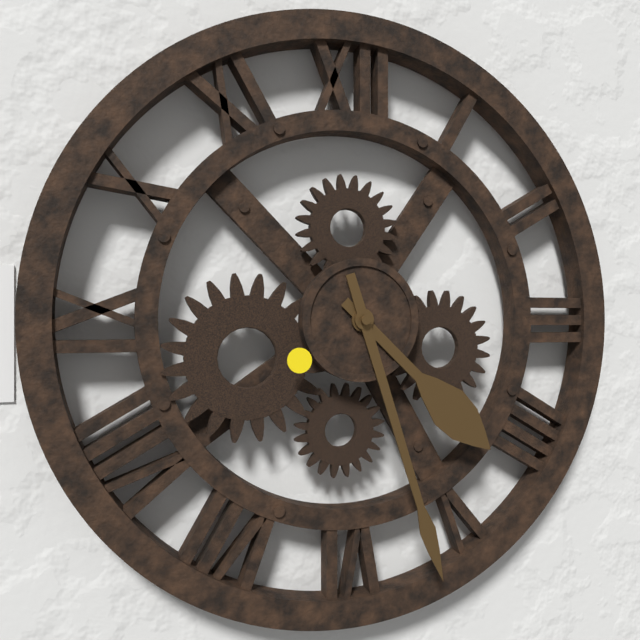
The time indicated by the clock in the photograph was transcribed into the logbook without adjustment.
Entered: 4:27
